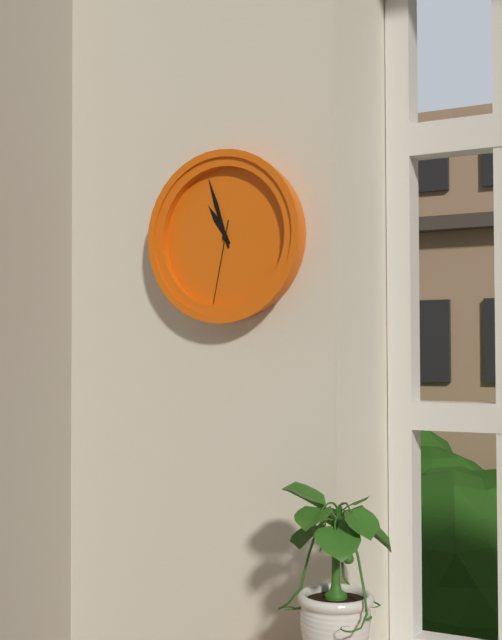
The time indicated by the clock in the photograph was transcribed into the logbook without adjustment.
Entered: 10:57:32
